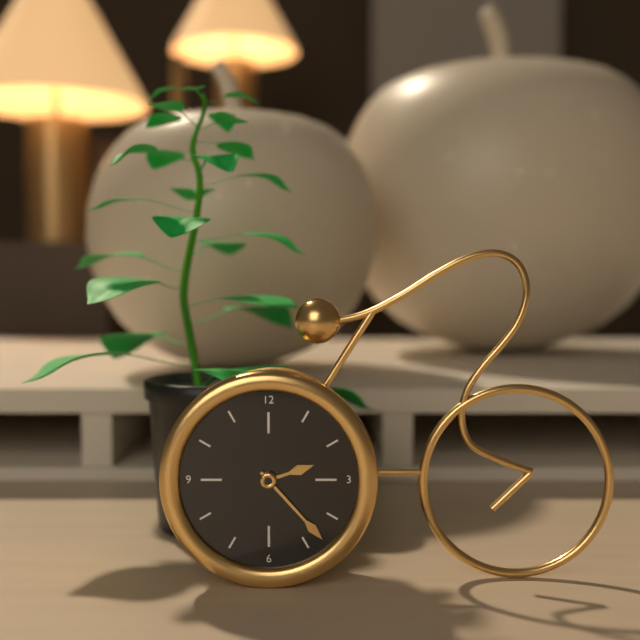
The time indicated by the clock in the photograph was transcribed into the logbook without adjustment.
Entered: 2:23
